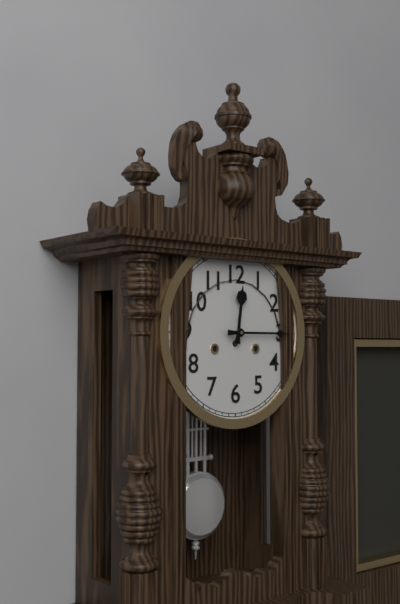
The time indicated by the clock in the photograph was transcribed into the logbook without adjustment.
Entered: 12:15
